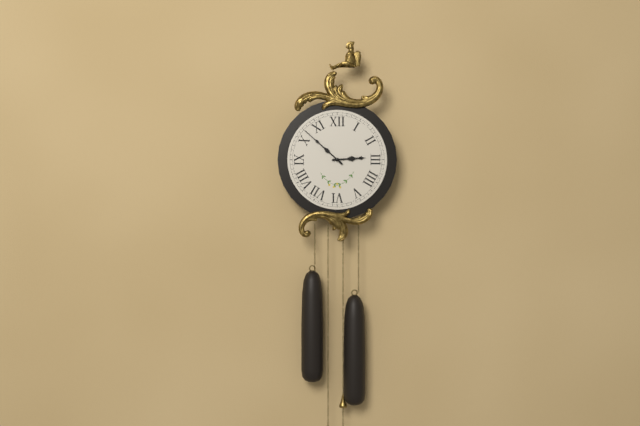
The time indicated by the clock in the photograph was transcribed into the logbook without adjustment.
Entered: 2:52
